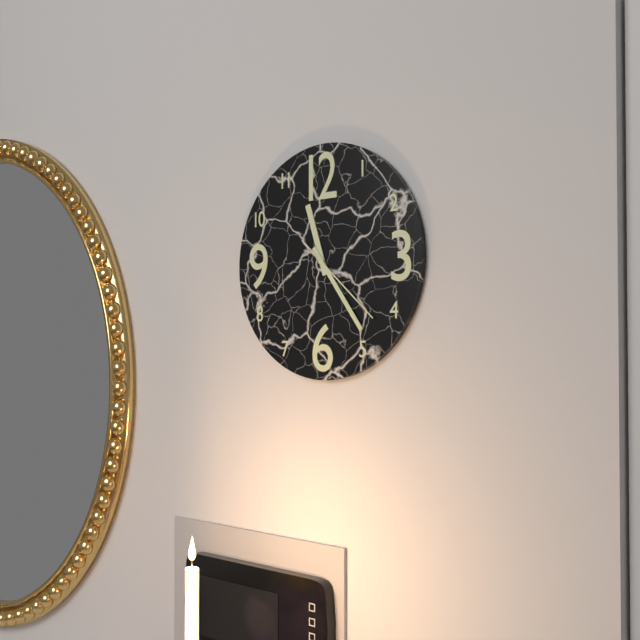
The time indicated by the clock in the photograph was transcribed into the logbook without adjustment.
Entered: 11:24:22
